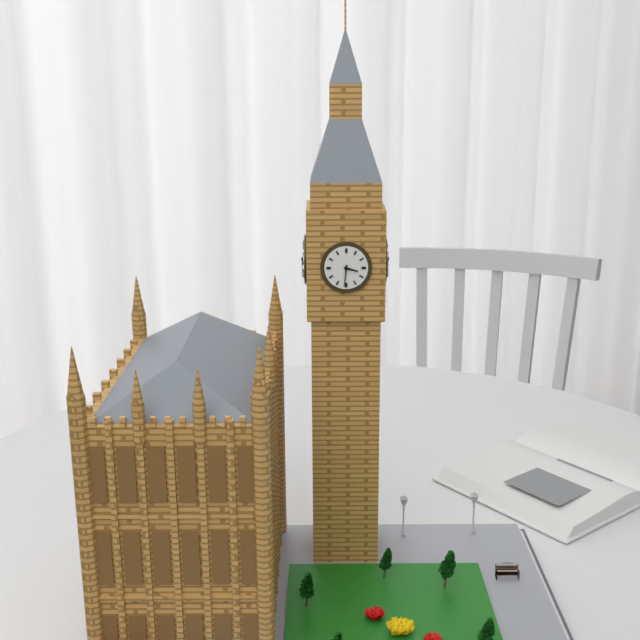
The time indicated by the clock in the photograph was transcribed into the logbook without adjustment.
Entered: 3:31
